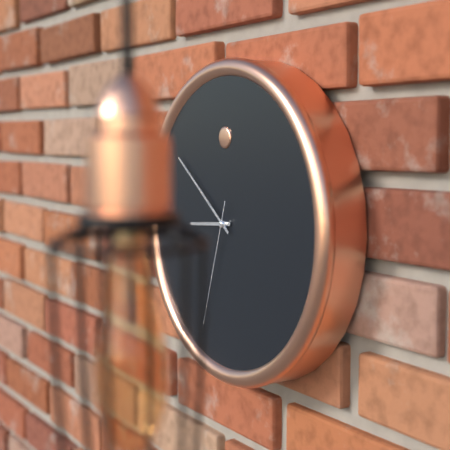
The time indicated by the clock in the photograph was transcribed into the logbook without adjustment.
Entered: 8:51:33
